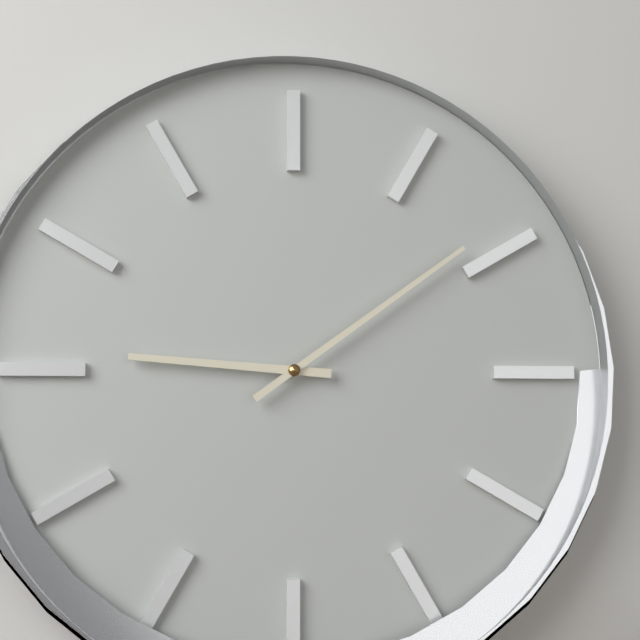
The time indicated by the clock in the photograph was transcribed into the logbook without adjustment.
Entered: 9:09
